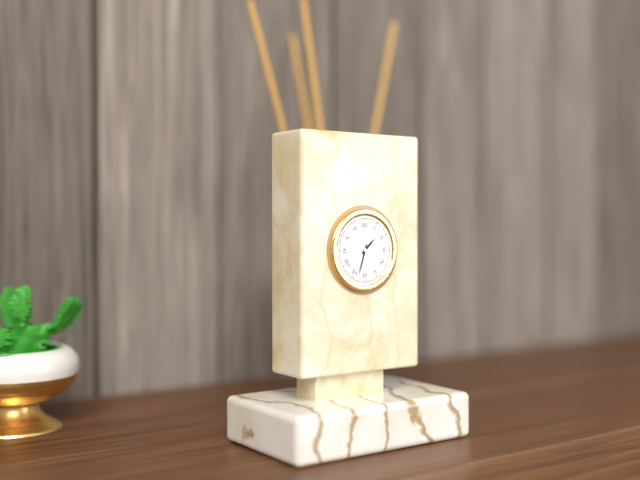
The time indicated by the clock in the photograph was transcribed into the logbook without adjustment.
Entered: 1:33
